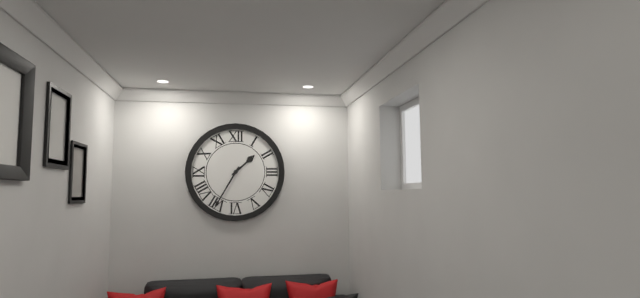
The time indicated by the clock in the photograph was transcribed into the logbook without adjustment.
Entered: 1:35
